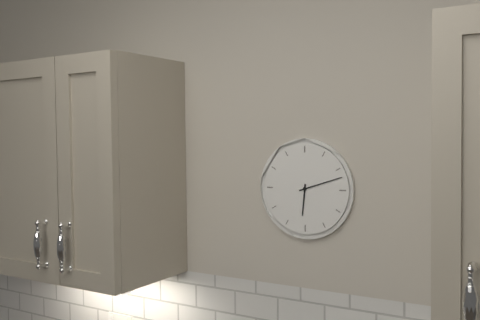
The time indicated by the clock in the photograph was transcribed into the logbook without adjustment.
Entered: 6:12
